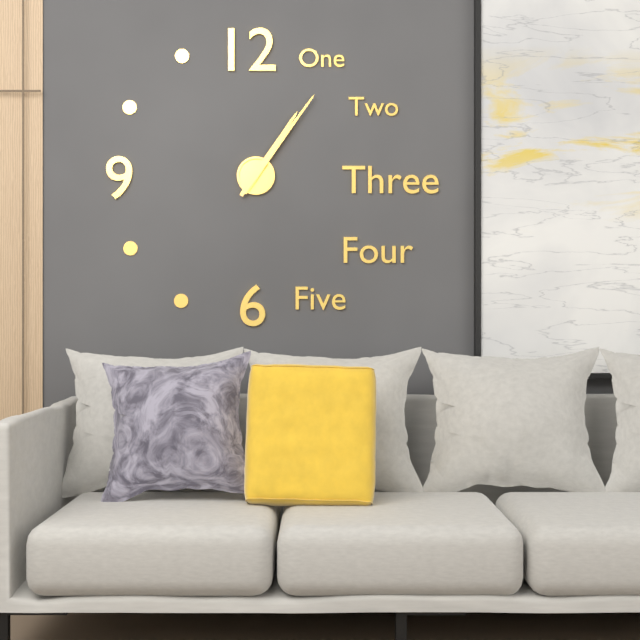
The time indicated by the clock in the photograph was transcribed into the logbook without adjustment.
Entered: 1:06
